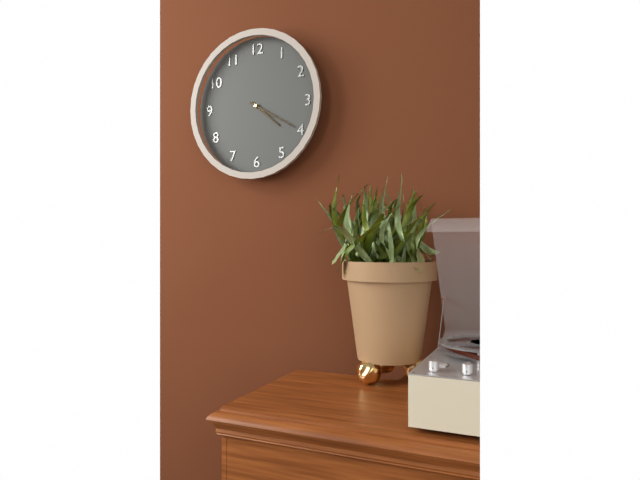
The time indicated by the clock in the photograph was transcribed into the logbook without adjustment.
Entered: 4:20
